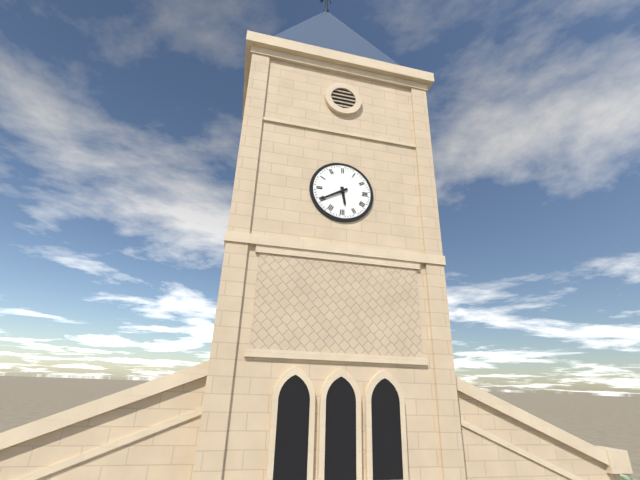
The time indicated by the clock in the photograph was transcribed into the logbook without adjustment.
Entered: 5:40
